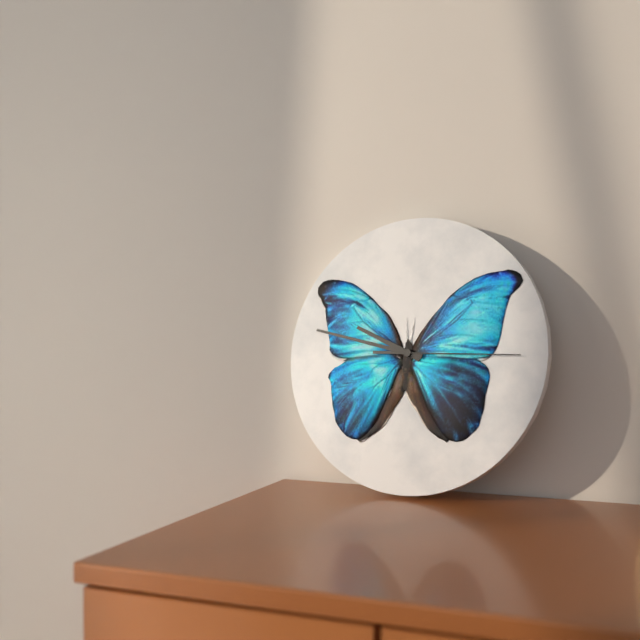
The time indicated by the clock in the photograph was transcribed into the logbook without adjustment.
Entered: 9:47:15
